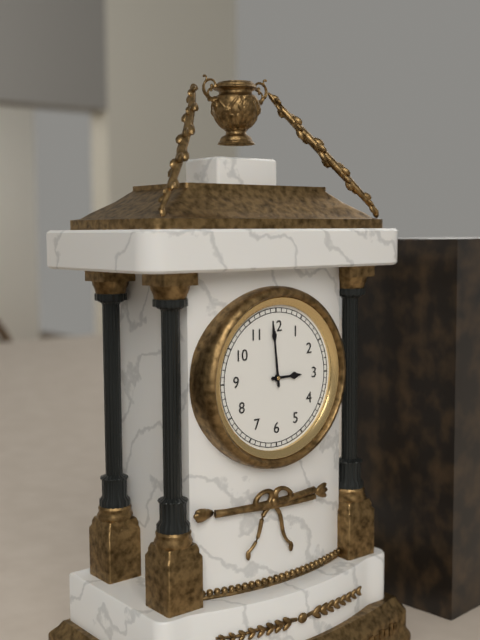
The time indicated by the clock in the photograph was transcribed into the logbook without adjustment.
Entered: 2:59
